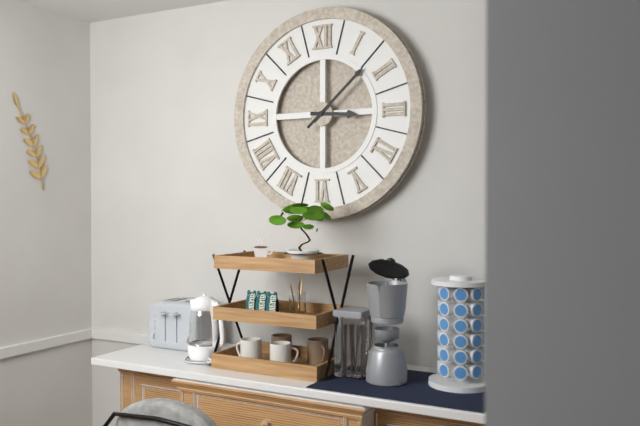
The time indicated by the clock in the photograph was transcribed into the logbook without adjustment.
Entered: 3:08
